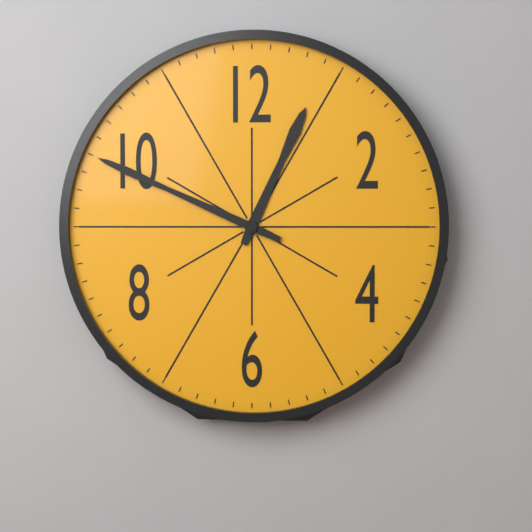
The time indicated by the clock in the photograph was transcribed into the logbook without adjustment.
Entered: 12:49
